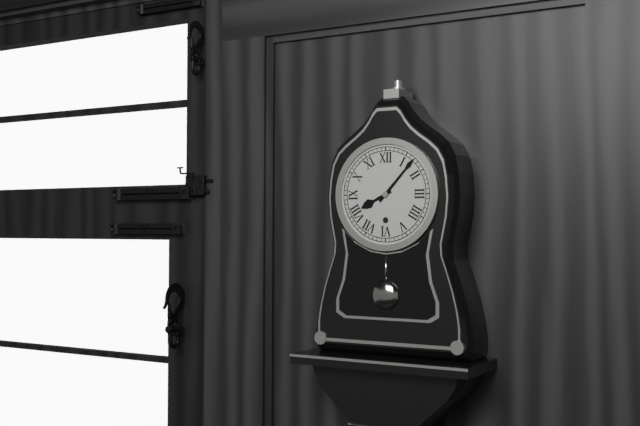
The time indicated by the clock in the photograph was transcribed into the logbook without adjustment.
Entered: 8:07
